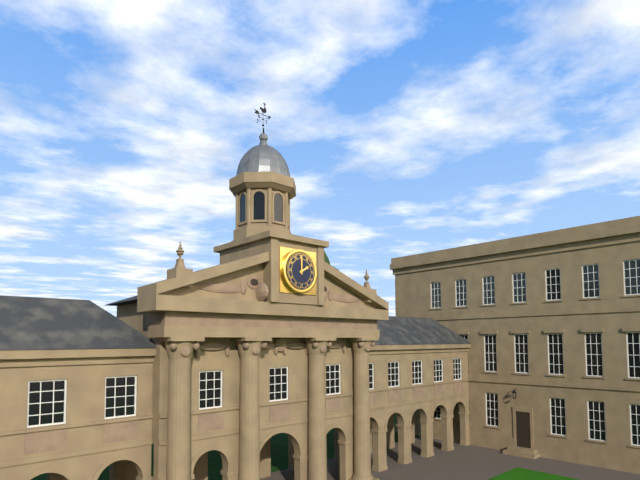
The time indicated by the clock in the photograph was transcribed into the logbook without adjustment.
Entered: 2:00
